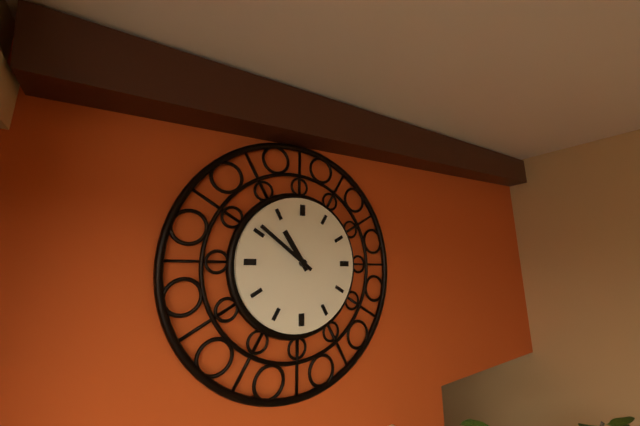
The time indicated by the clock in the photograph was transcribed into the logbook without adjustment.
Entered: 10:51
